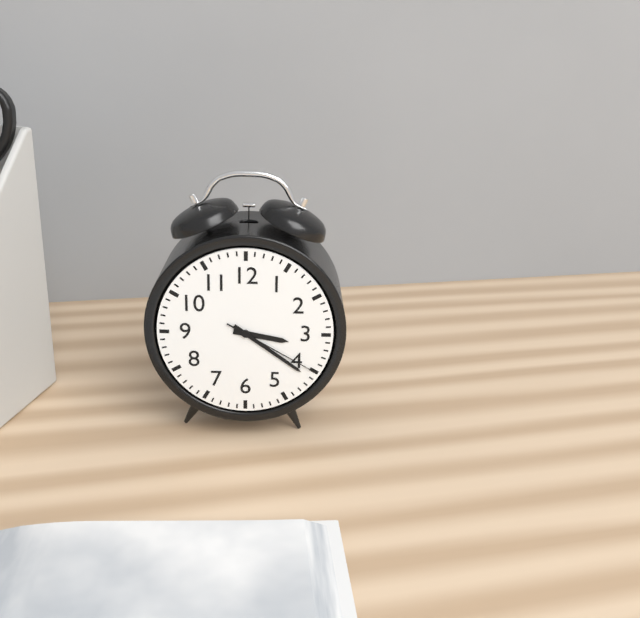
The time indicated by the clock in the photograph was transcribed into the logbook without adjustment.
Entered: 3:21:20
